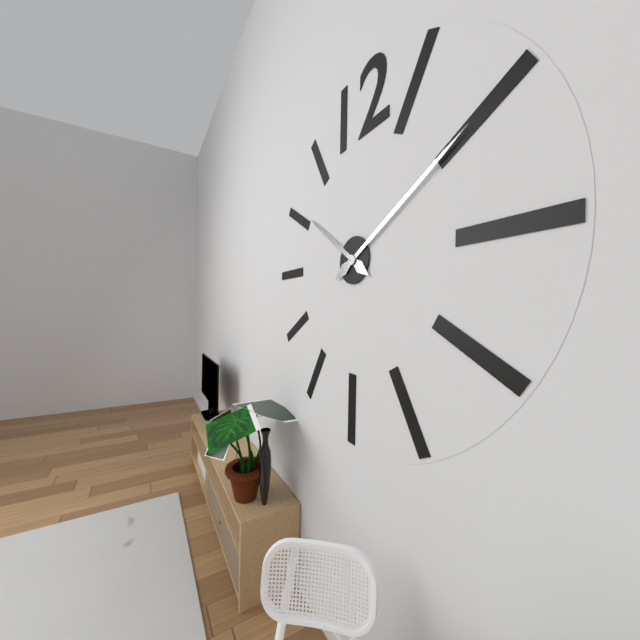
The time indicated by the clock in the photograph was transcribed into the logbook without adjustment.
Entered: 10:10
